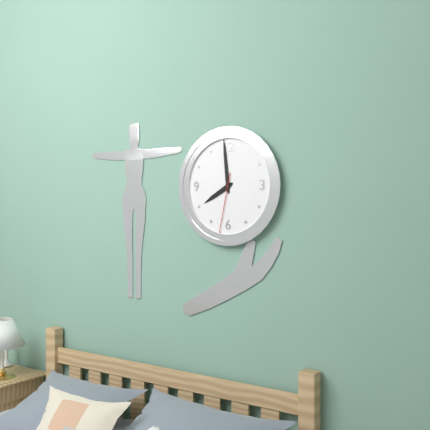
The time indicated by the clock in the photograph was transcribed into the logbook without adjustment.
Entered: 7:59:32
